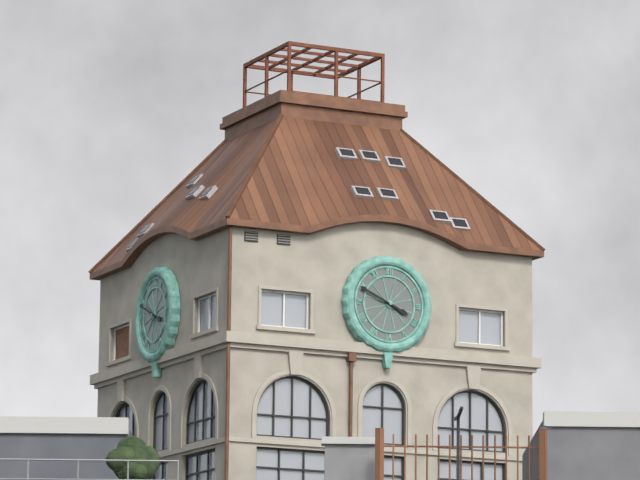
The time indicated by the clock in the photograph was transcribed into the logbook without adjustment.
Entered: 3:49
